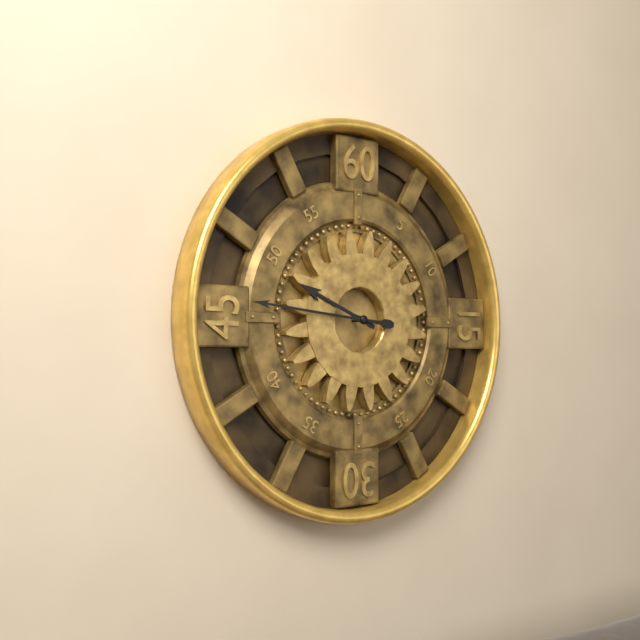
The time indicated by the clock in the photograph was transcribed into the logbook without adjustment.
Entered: 9:46
